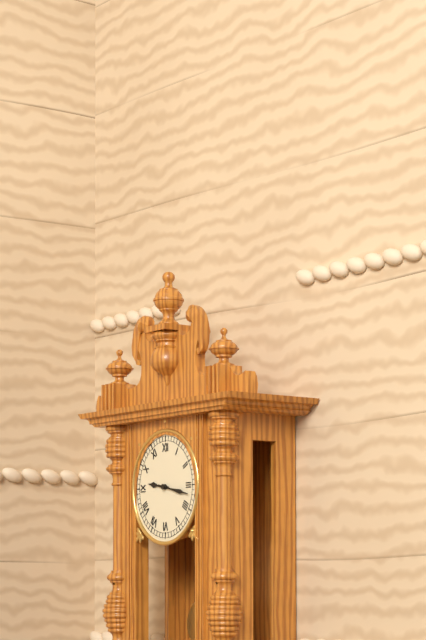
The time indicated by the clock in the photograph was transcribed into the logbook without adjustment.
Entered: 9:17
